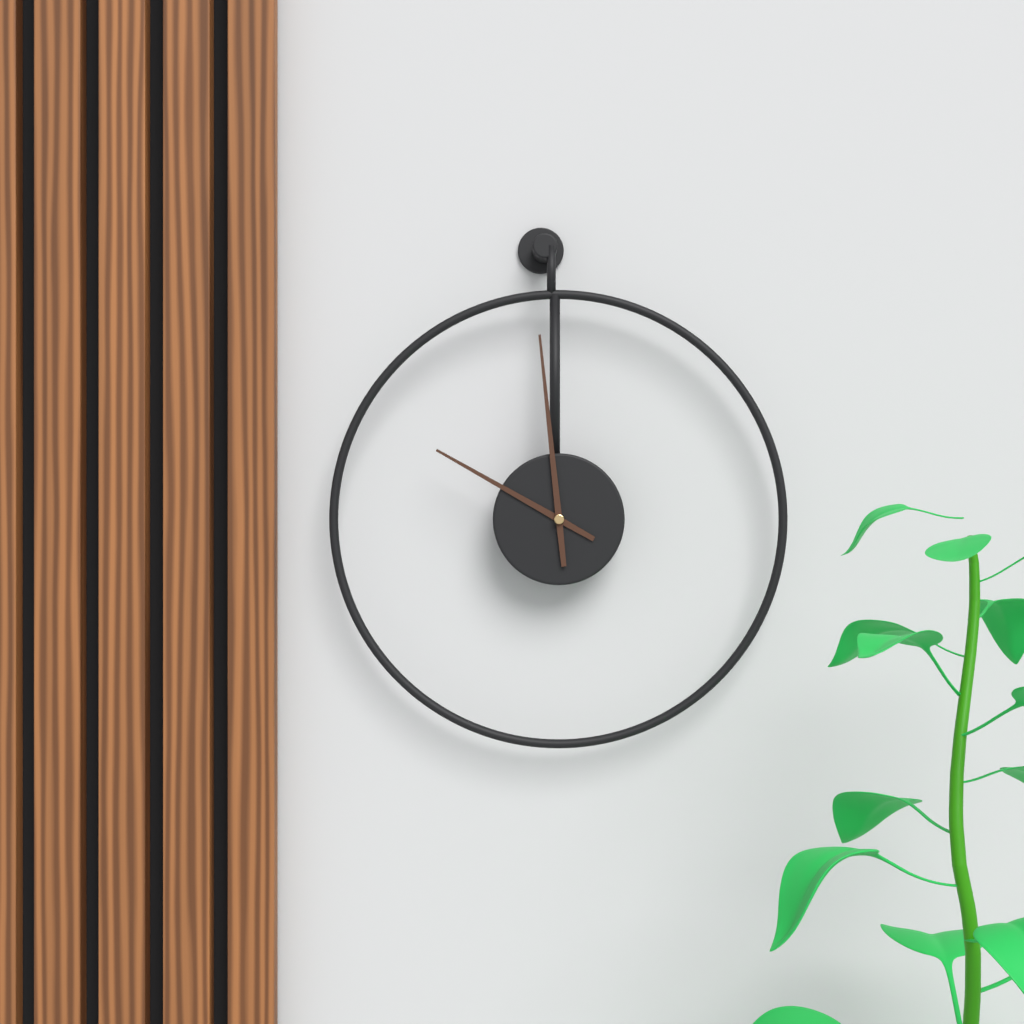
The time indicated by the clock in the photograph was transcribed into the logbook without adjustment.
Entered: 9:59
